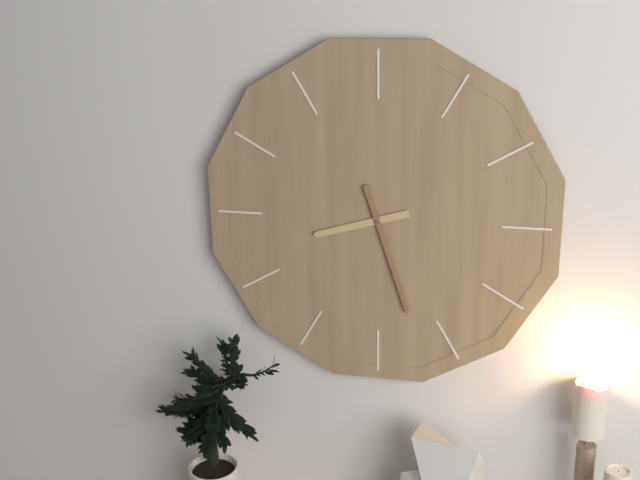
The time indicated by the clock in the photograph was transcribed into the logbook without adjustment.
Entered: 8:27
